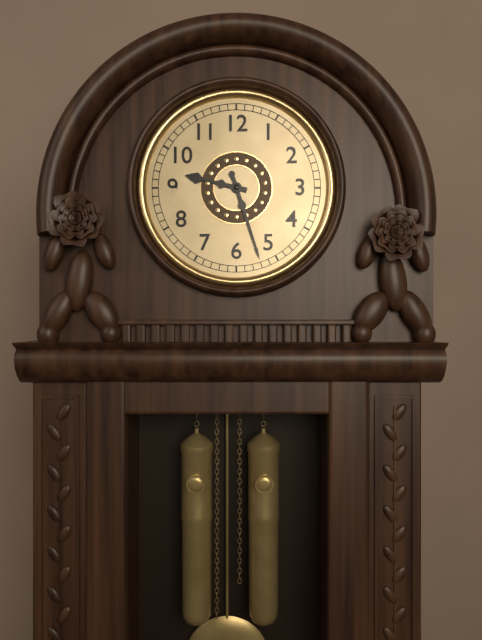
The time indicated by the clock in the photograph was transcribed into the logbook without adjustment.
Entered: 9:27
